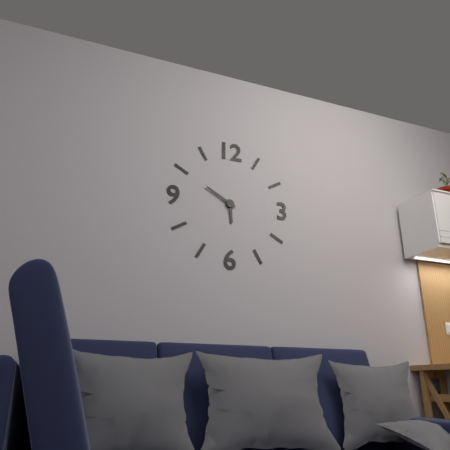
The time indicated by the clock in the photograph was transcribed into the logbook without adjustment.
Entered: 5:50
